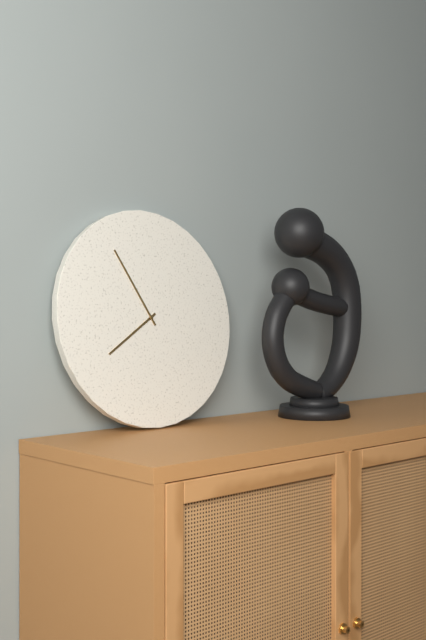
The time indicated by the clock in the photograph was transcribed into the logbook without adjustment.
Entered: 7:55
